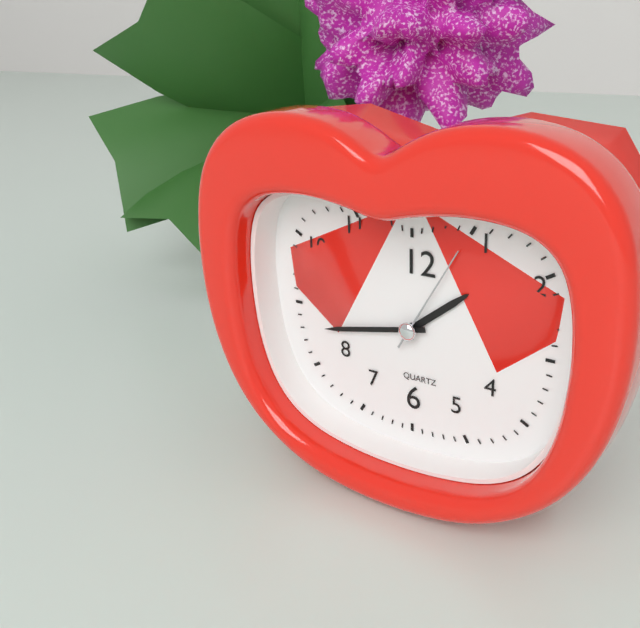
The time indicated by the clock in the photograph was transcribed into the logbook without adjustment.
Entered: 1:43:05
